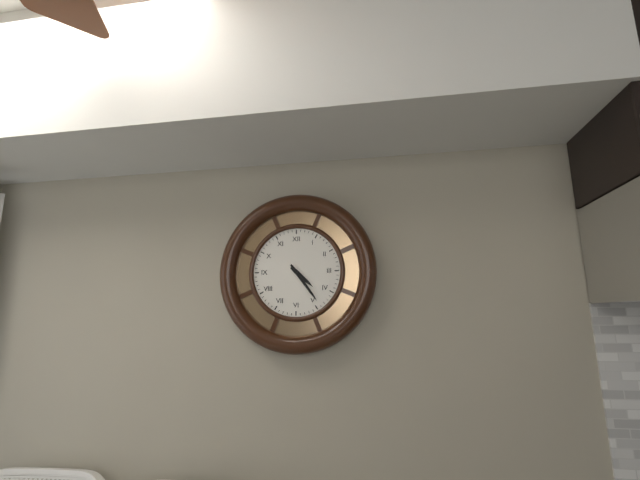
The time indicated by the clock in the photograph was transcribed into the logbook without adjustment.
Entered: 4:24
